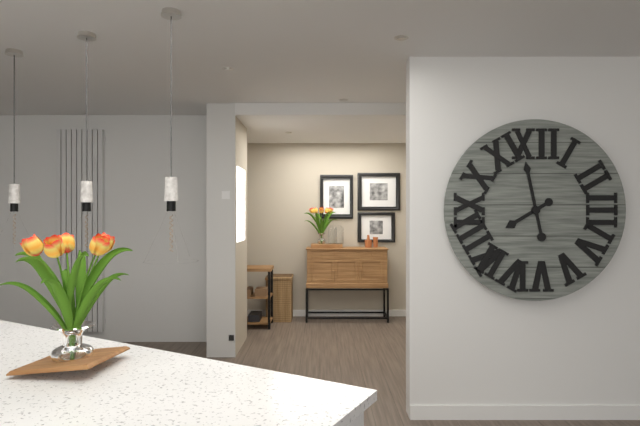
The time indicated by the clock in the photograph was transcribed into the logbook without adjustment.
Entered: 7:58
